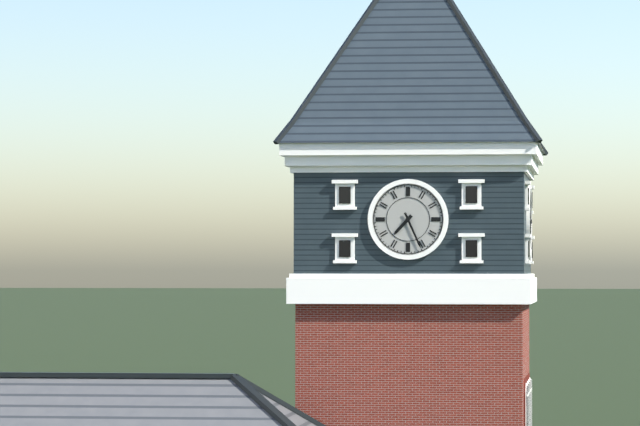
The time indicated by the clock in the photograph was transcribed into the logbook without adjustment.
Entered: 7:26
